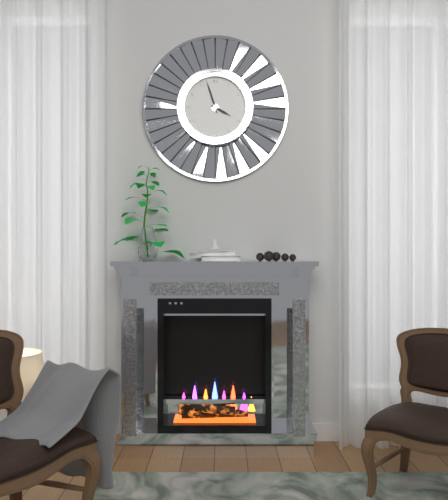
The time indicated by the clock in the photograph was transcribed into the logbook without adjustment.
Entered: 3:57
